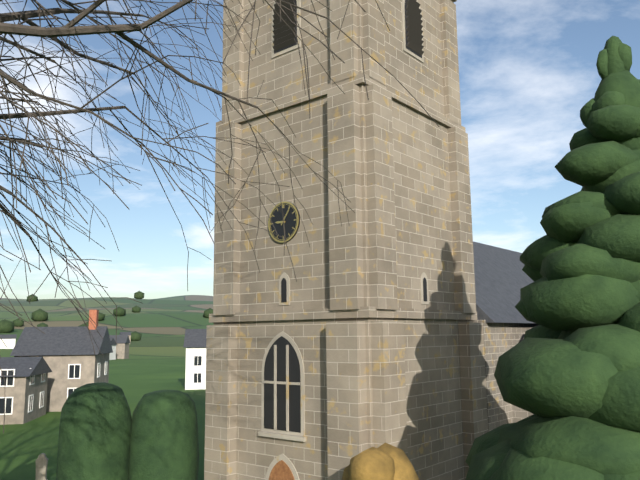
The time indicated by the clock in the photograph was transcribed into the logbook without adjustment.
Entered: 9:06
